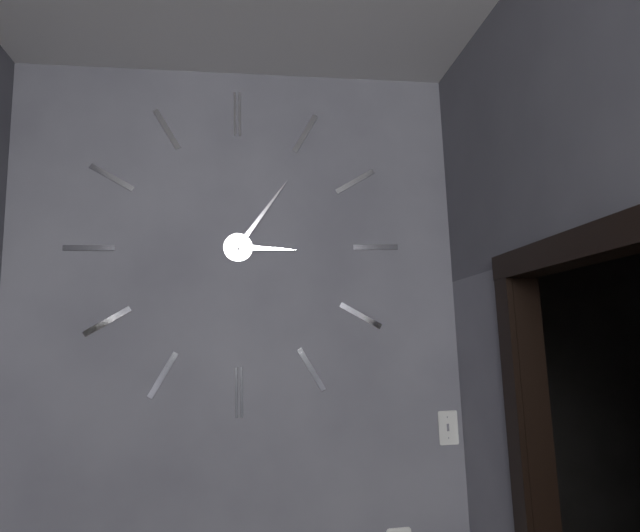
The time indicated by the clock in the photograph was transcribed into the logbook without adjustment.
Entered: 3:06
